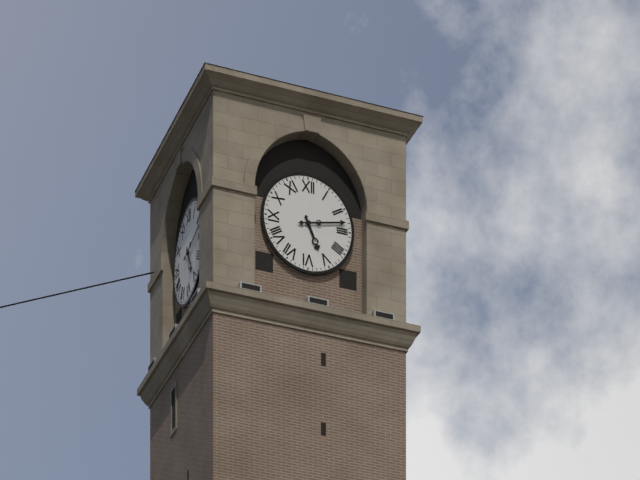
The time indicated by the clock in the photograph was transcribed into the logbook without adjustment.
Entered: 5:13
